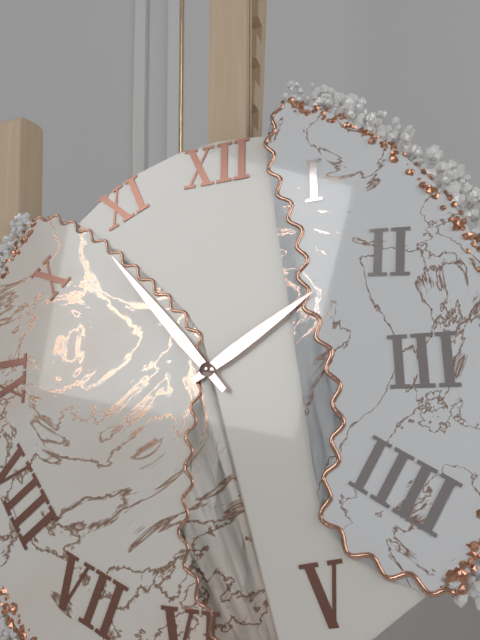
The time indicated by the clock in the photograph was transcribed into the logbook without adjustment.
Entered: 1:53
